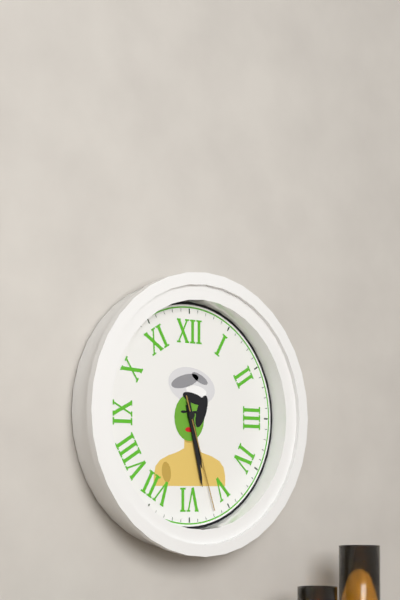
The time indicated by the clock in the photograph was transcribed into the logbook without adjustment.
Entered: 5:28:27
